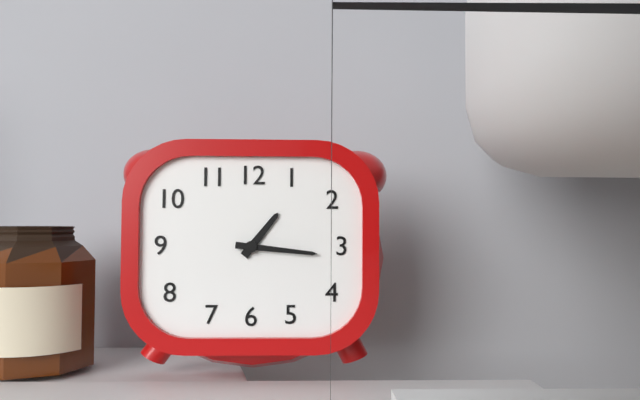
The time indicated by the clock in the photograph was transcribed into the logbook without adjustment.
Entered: 1:16
